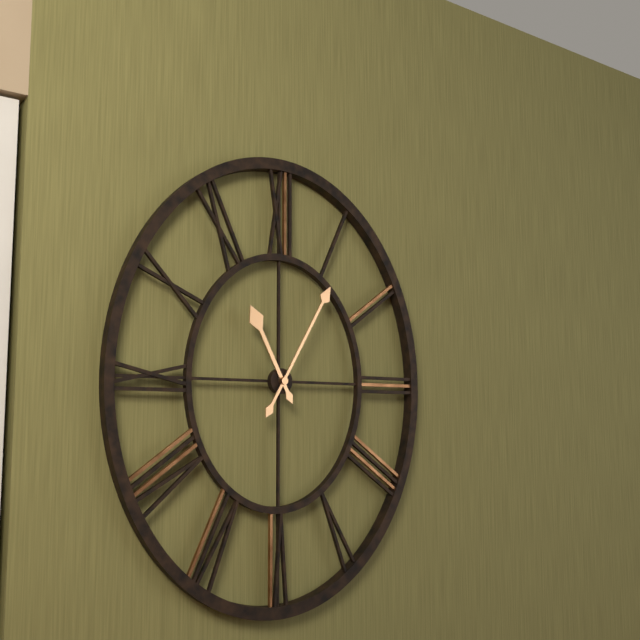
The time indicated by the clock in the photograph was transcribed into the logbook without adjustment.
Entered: 11:05
